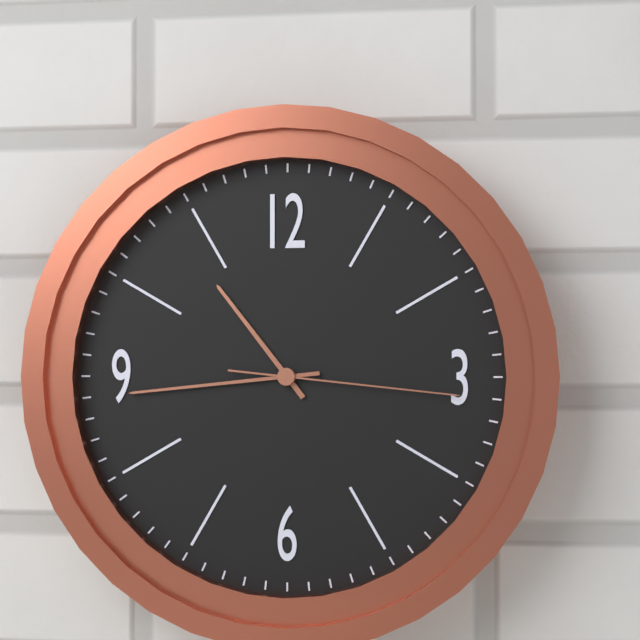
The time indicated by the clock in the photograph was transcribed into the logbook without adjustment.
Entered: 10:44:16
